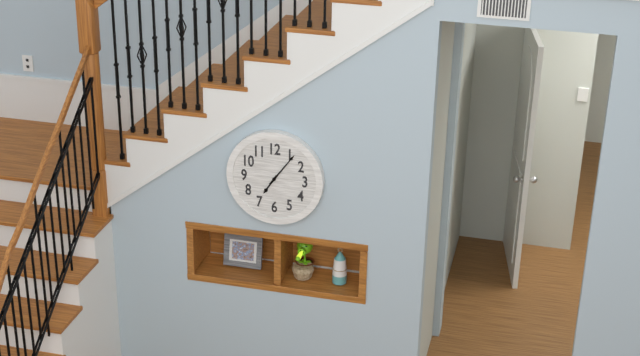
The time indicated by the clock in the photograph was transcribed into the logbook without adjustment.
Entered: 7:06
